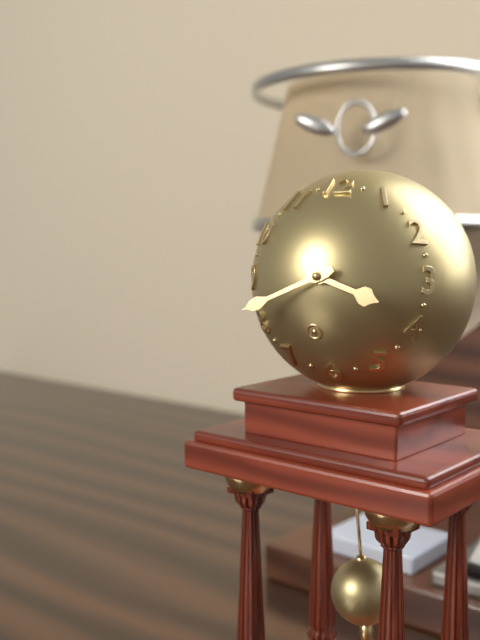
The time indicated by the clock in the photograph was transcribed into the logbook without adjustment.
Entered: 3:41
